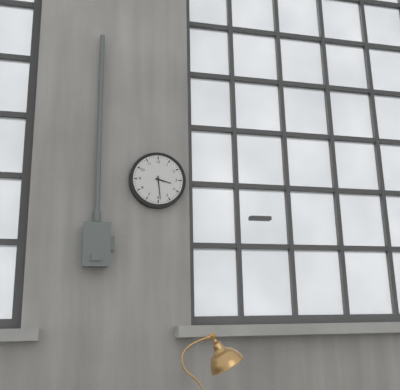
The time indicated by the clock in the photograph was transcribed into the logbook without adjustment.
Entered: 3:29
